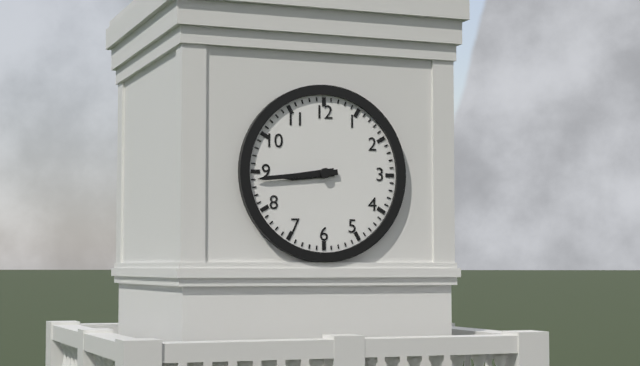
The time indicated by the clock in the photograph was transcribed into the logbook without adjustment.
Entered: 8:44
